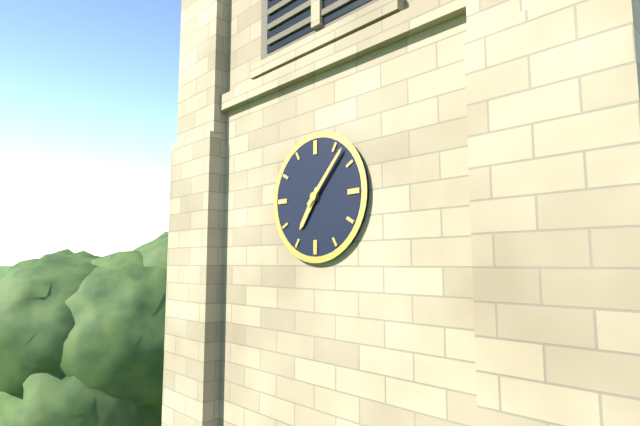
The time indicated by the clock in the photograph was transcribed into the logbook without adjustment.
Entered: 7:07
